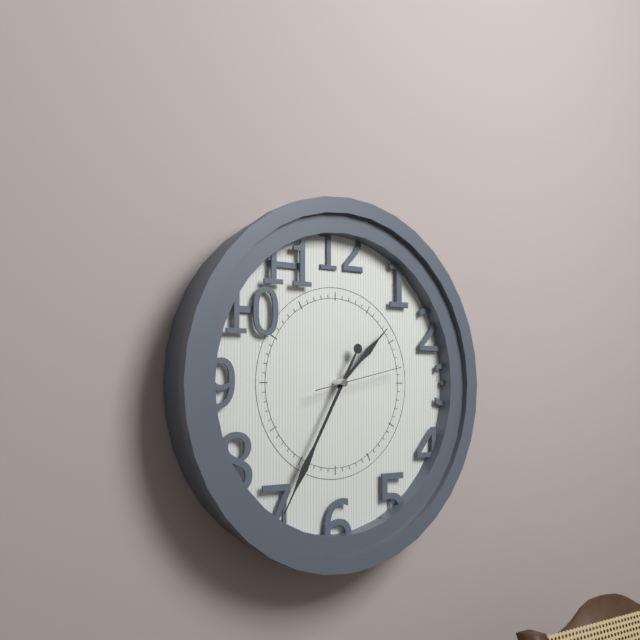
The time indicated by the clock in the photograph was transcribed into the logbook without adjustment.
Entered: 1:35:13
